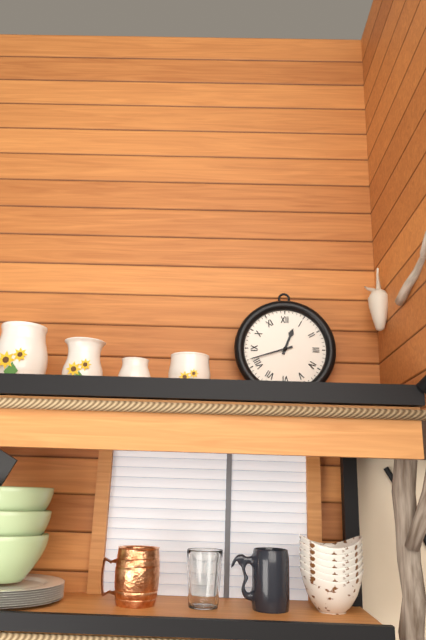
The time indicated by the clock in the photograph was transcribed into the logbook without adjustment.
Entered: 12:42
